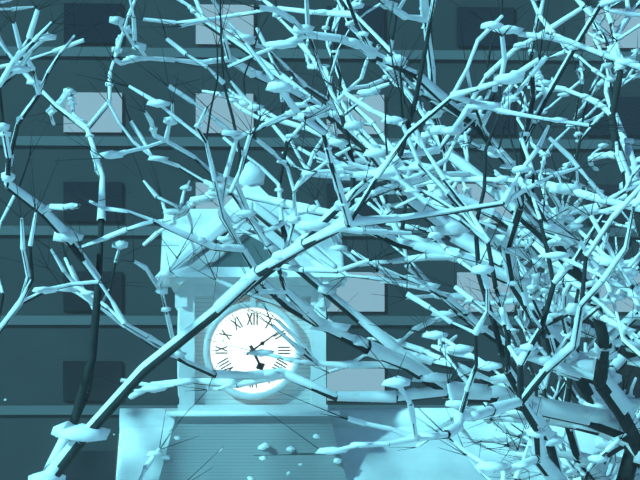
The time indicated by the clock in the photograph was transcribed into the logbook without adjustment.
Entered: 5:09
